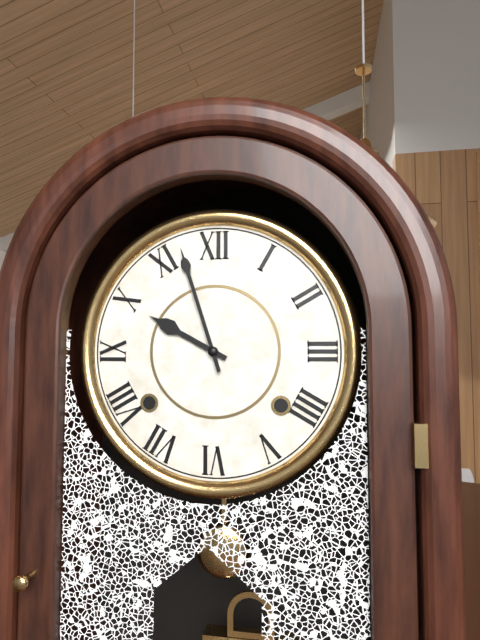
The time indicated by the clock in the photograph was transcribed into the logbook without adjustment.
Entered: 9:57
